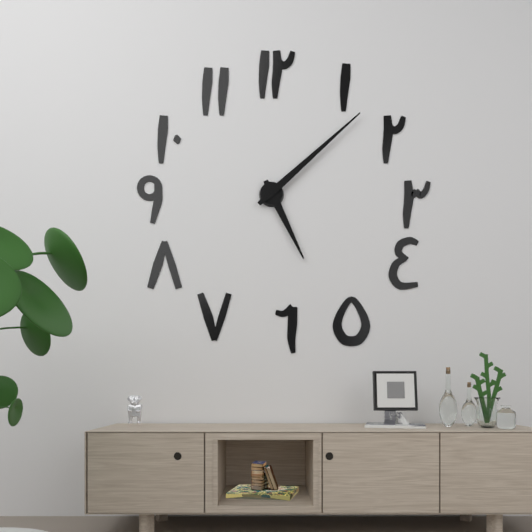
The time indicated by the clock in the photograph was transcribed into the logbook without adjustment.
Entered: 5:08
